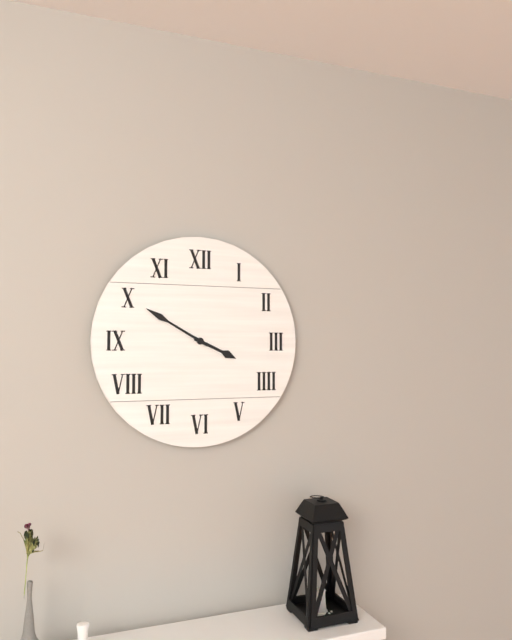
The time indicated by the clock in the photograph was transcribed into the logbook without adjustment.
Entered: 3:50
